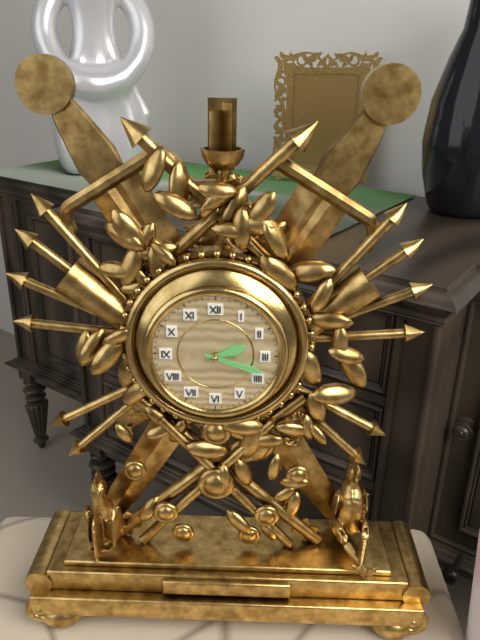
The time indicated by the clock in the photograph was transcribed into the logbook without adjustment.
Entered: 2:18
